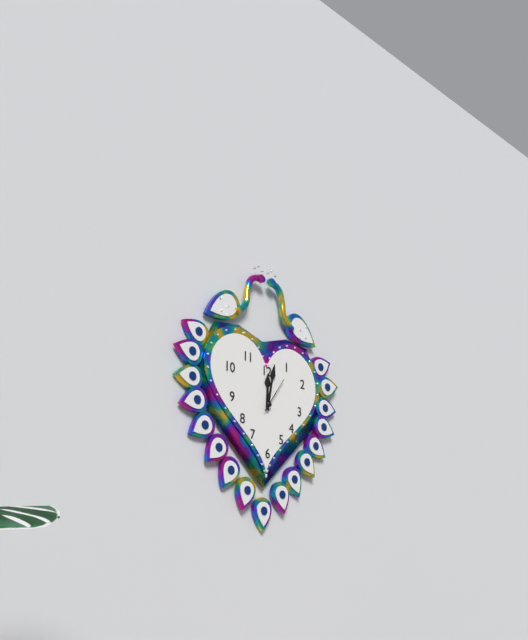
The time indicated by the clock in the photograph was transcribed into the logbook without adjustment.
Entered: 12:02
